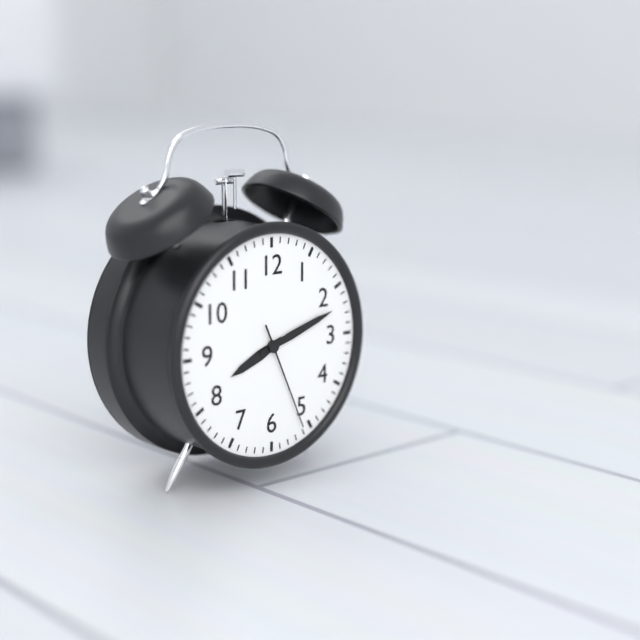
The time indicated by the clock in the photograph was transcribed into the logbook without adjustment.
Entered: 8:12:26
